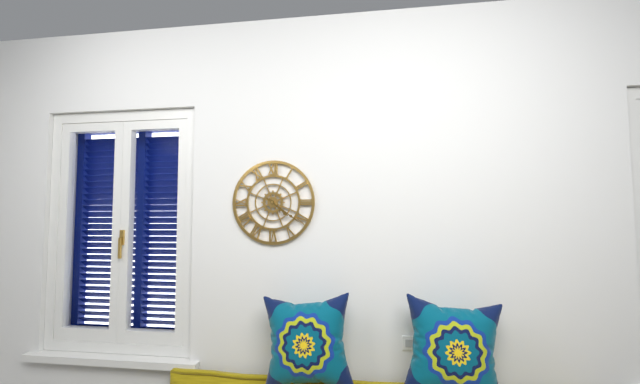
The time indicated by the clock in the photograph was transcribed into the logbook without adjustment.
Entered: 4:21
